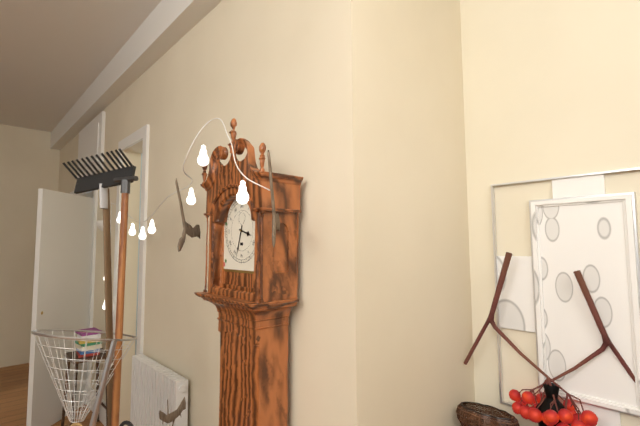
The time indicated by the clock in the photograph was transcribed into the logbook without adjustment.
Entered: 3:33
